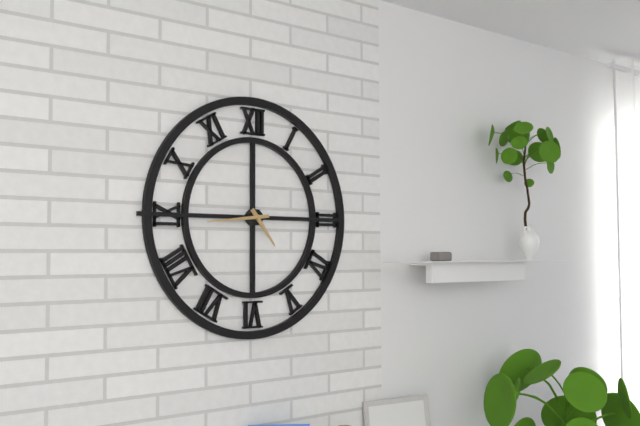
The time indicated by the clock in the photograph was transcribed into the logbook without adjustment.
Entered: 4:44
